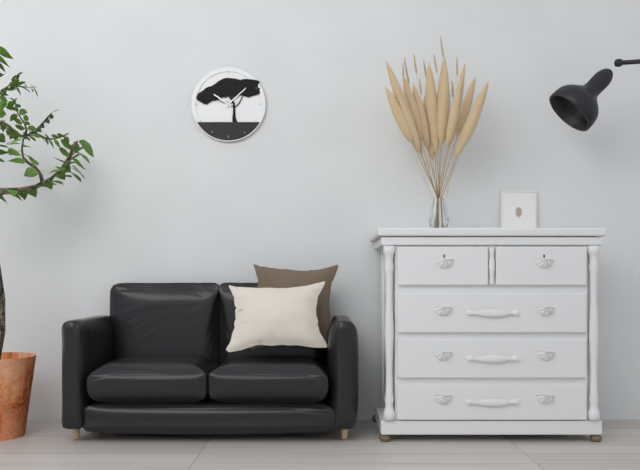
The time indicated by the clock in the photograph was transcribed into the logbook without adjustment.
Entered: 10:08
